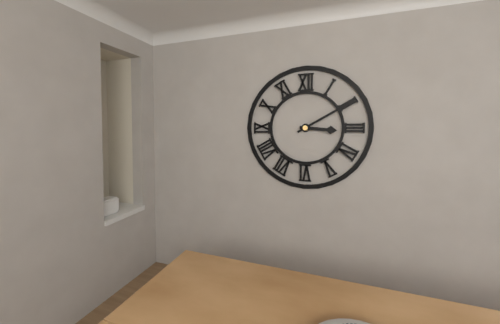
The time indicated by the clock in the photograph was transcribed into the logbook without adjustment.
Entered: 3:10
